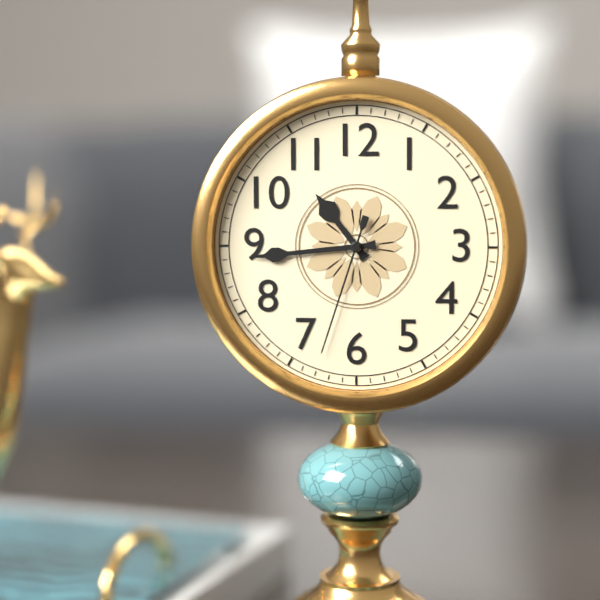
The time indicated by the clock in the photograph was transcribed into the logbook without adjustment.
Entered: 10:44:33
